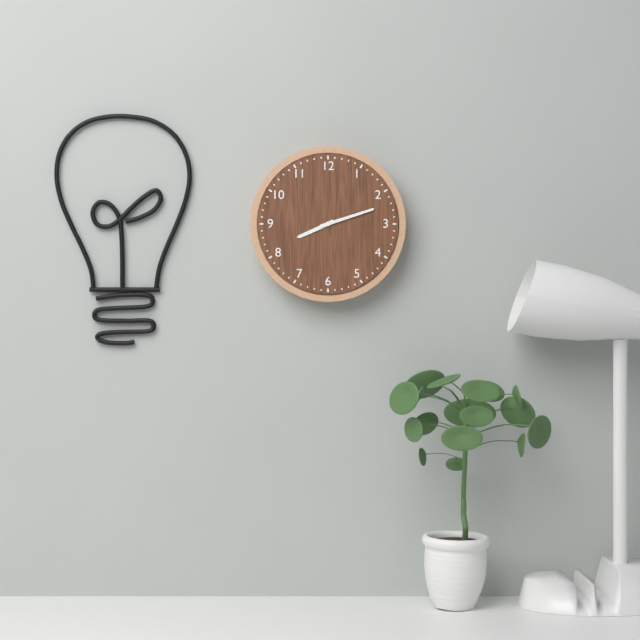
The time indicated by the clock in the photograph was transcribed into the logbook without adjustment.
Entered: 8:12
